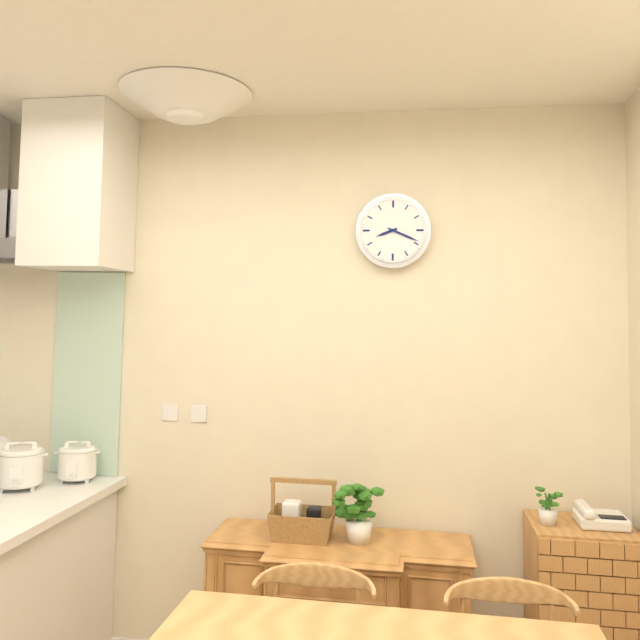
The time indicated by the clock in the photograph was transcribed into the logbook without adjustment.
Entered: 8:19
